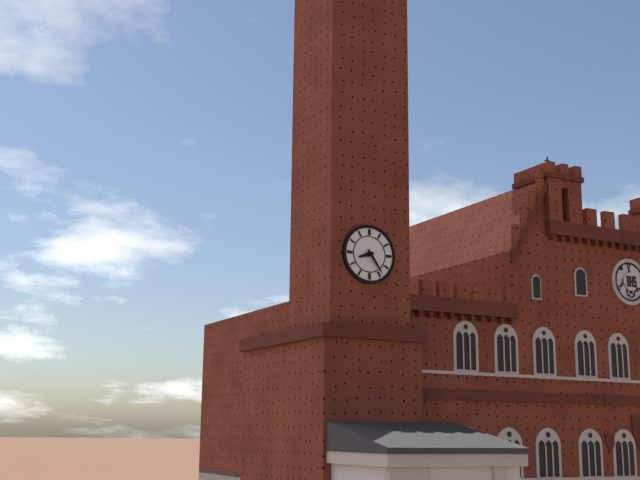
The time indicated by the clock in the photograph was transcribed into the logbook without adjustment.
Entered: 8:24
